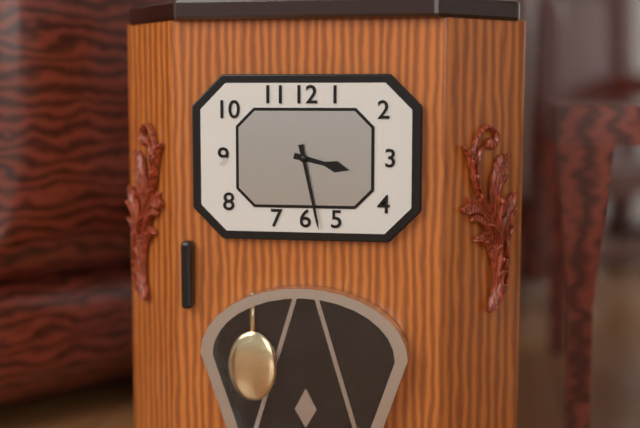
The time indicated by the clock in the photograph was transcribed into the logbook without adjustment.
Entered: 3:28
